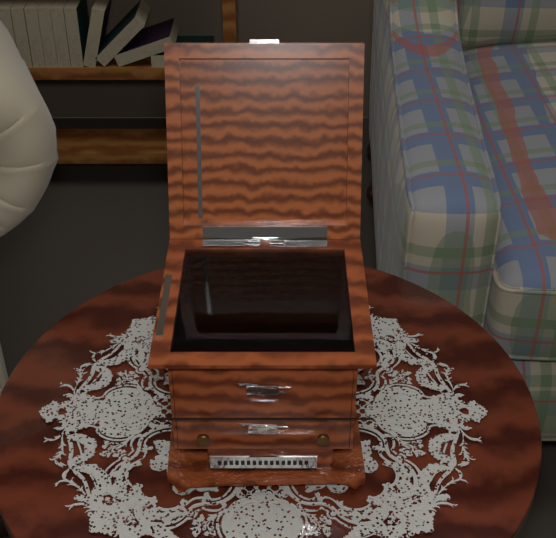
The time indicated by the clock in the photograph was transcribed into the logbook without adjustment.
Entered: 12:32
